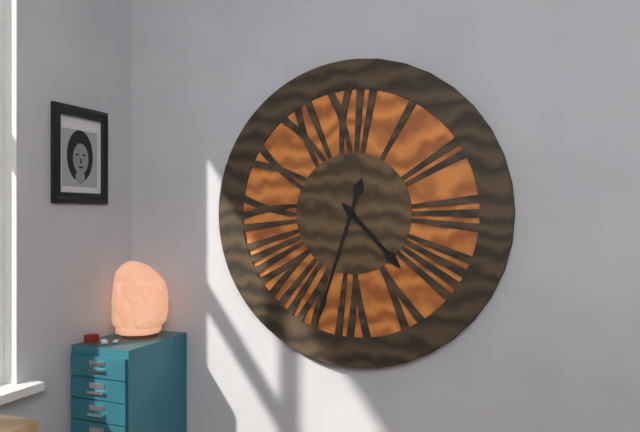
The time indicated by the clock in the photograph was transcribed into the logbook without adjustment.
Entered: 4:33
